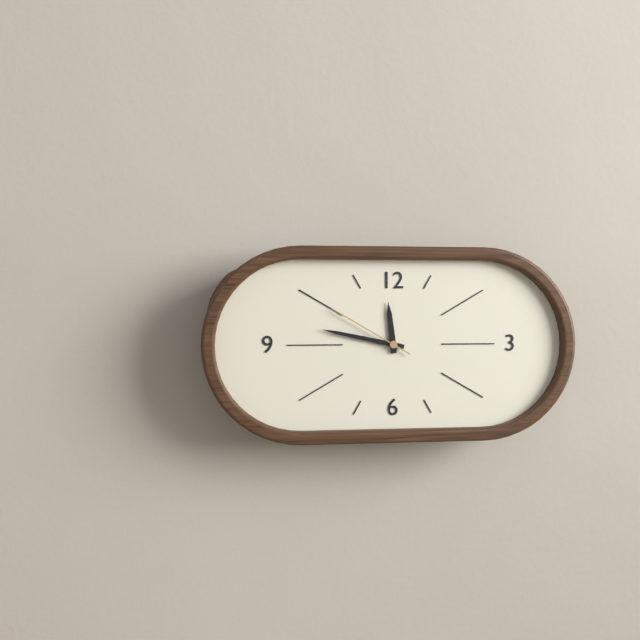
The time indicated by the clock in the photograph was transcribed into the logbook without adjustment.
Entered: 11:47:50
